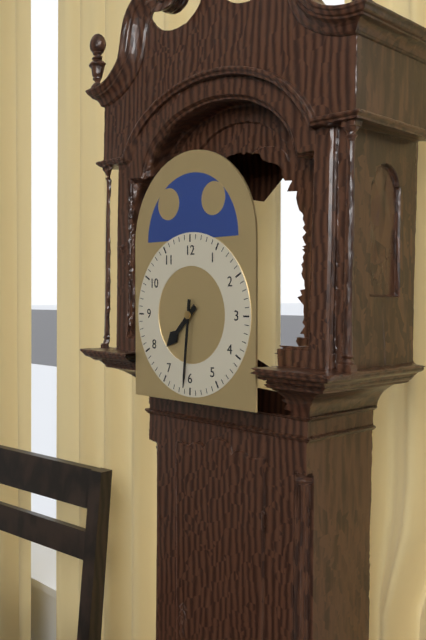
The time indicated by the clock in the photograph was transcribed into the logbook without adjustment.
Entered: 7:31
